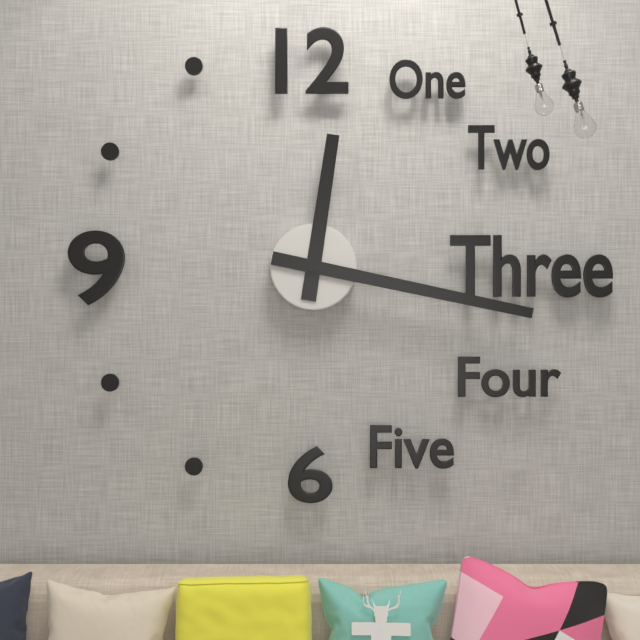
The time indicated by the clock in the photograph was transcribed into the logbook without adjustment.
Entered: 12:17
